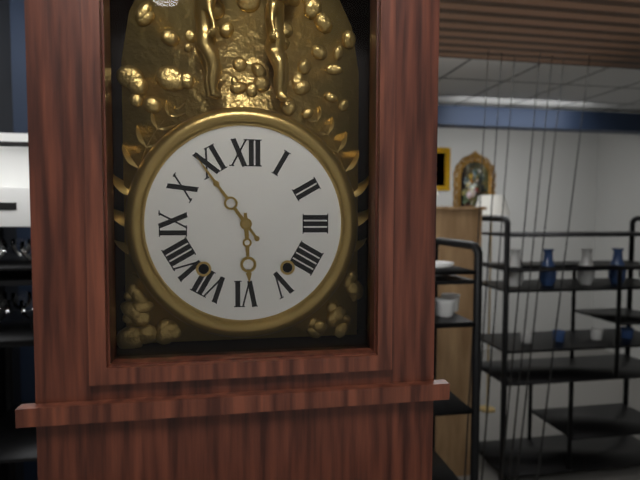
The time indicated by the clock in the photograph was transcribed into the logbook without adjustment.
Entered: 5:54
